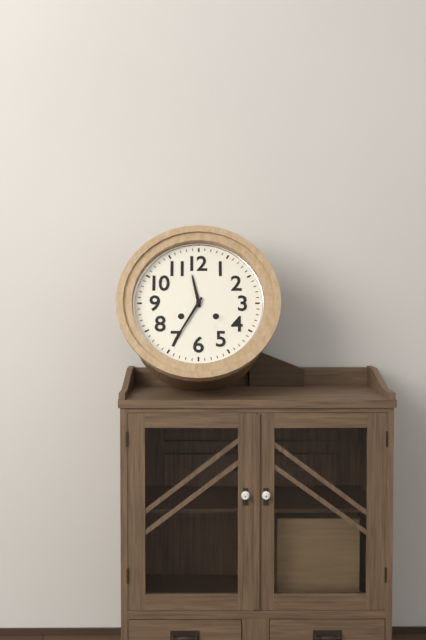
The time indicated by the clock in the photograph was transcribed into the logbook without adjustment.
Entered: 11:35
